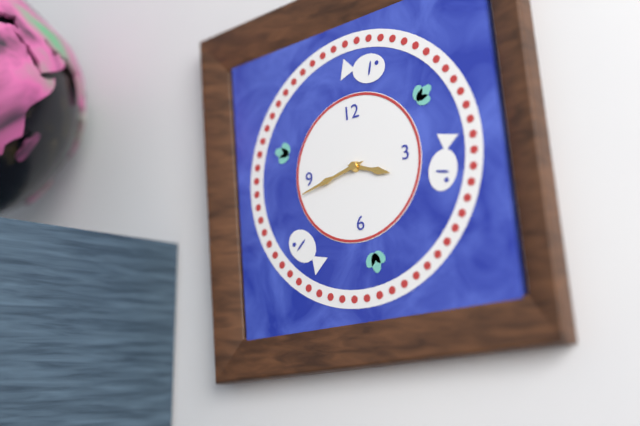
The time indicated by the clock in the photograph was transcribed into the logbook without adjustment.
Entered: 3:43
